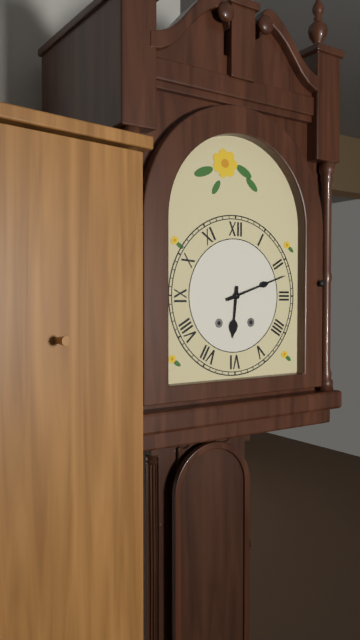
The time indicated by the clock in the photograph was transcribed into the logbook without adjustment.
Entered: 6:12
